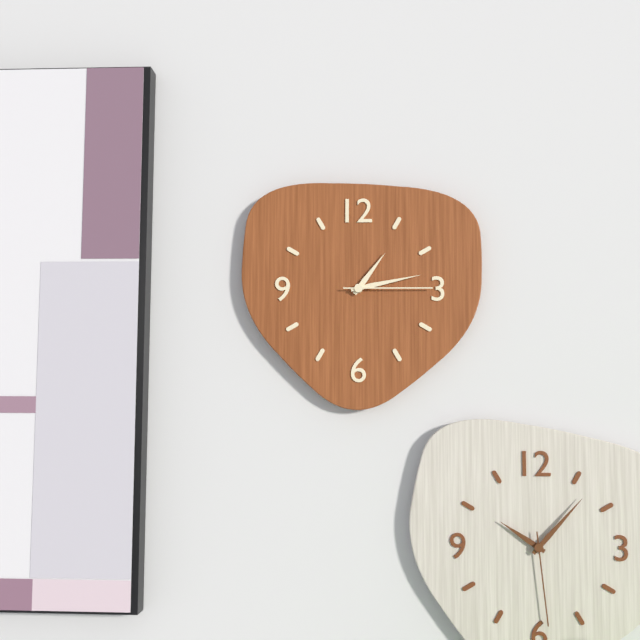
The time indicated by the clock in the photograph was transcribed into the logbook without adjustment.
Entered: 1:13:15
